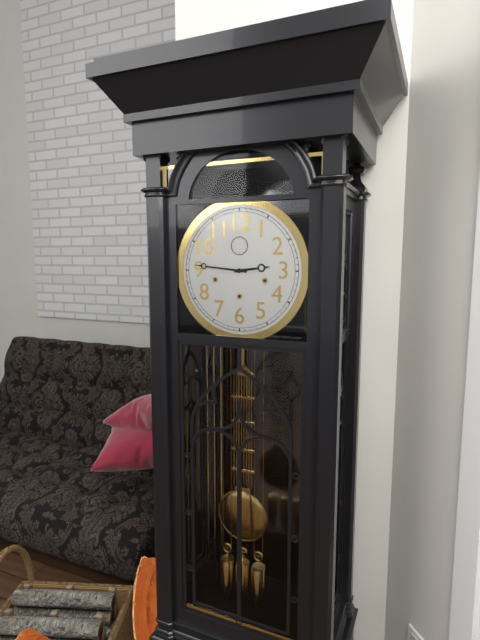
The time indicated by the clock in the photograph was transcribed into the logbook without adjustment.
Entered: 2:46
